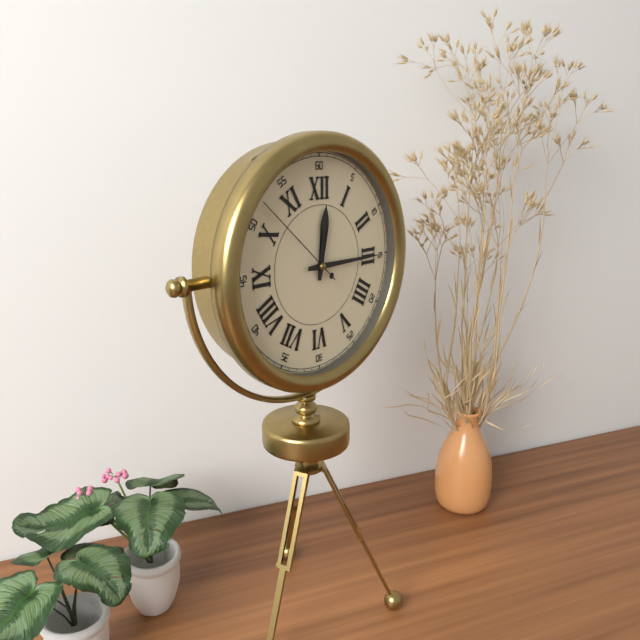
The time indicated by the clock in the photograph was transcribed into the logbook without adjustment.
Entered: 12:15:52
